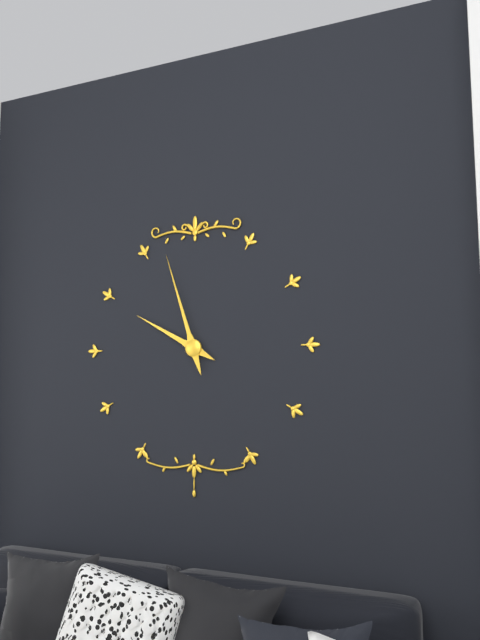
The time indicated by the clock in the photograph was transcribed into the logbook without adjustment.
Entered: 9:57
